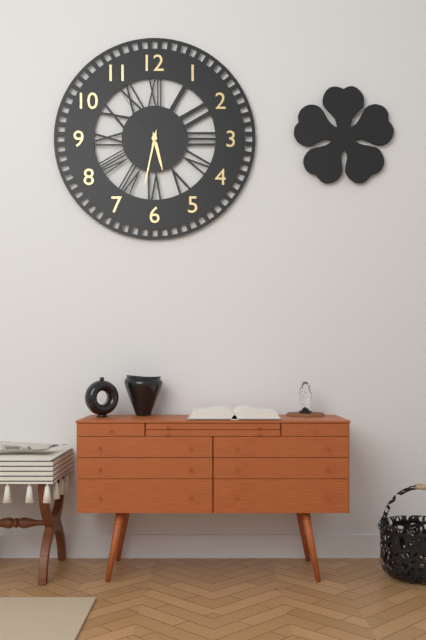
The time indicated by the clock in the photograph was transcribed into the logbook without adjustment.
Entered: 5:32:54
